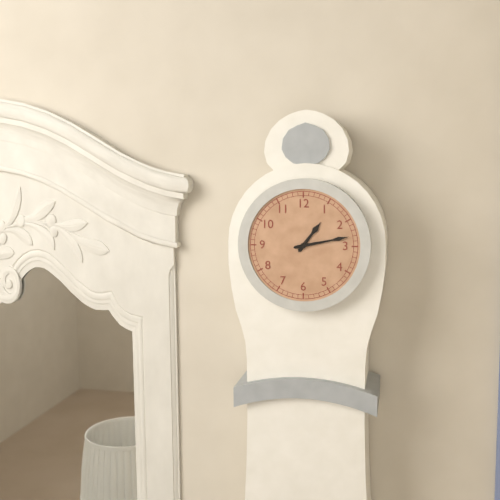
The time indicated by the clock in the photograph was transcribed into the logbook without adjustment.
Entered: 1:13
